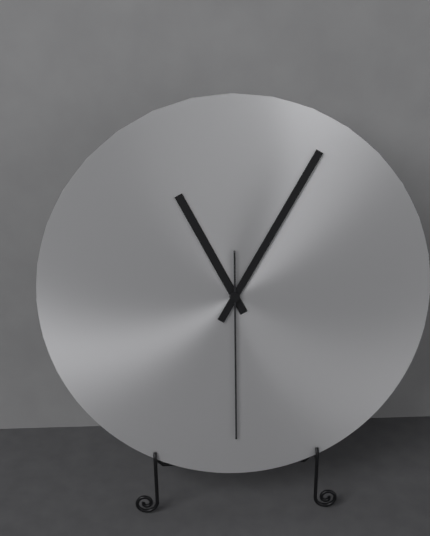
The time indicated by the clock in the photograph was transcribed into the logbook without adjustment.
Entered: 11:05:30
